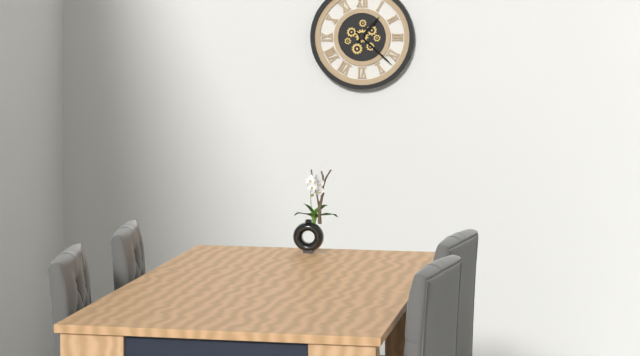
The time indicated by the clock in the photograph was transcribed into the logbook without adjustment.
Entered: 1:22
